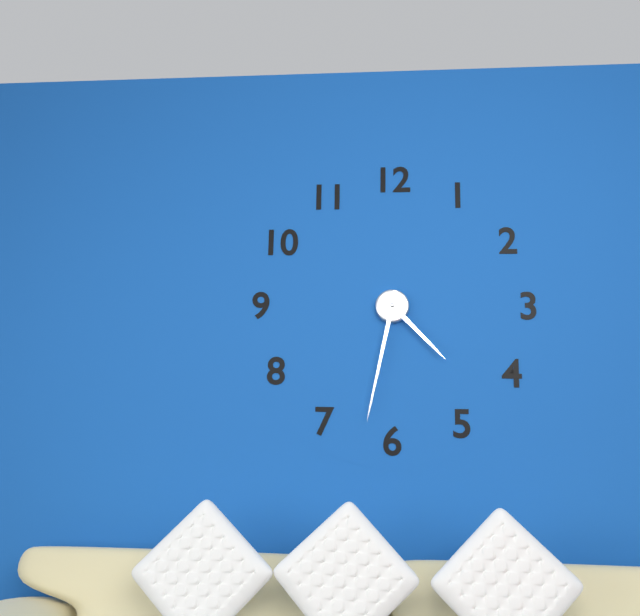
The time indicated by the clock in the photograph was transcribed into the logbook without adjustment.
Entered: 4:32
